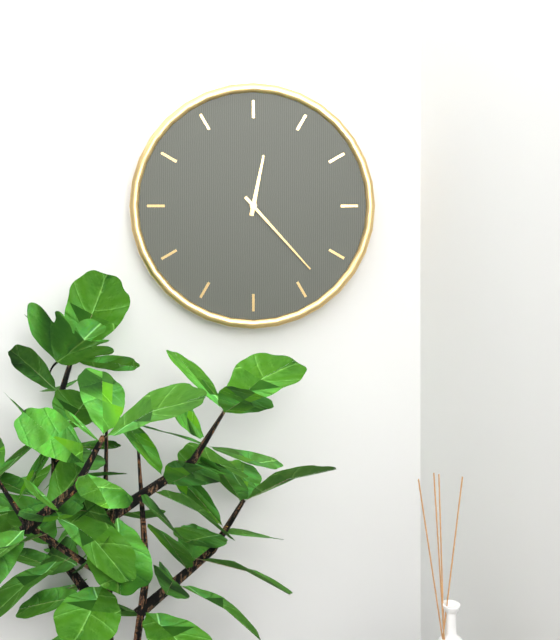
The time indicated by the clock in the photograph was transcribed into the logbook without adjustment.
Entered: 12:23
